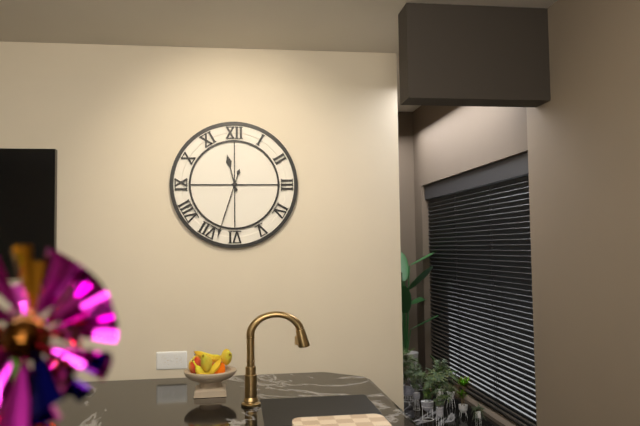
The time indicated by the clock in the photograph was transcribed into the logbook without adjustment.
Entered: 11:33
